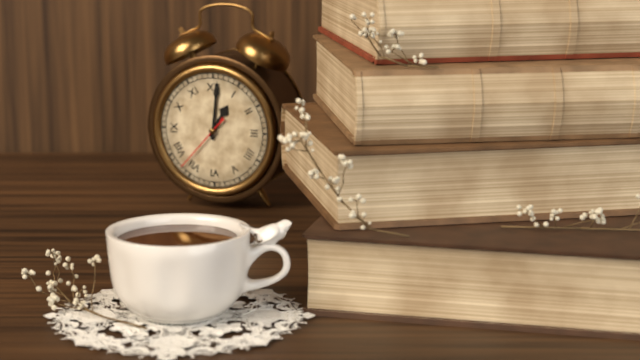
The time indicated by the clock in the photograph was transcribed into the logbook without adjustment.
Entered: 1:01:37
